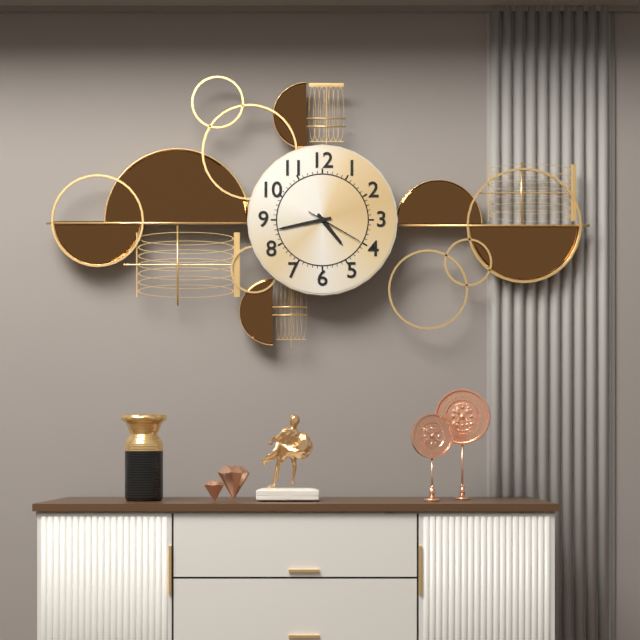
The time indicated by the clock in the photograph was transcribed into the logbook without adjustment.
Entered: 4:43:20
